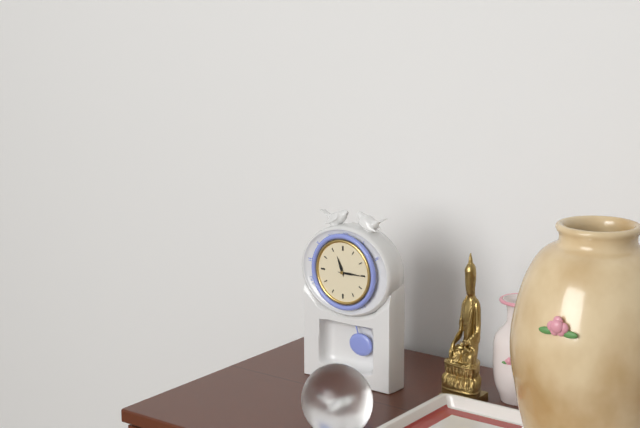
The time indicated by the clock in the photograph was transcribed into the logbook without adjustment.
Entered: 11:15
